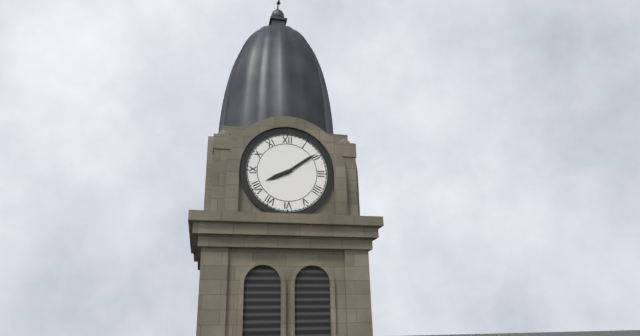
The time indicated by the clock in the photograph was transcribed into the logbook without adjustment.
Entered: 8:09
